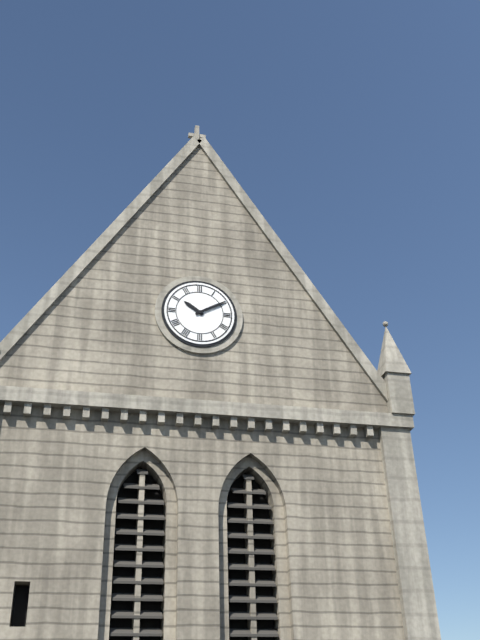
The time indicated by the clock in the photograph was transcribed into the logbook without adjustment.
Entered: 10:10
